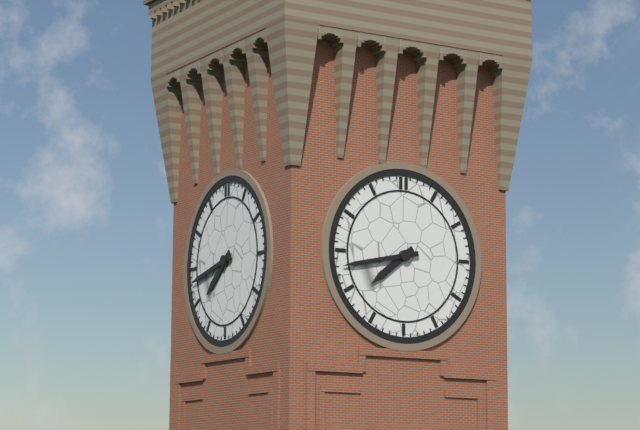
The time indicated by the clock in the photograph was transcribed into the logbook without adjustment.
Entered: 7:43
